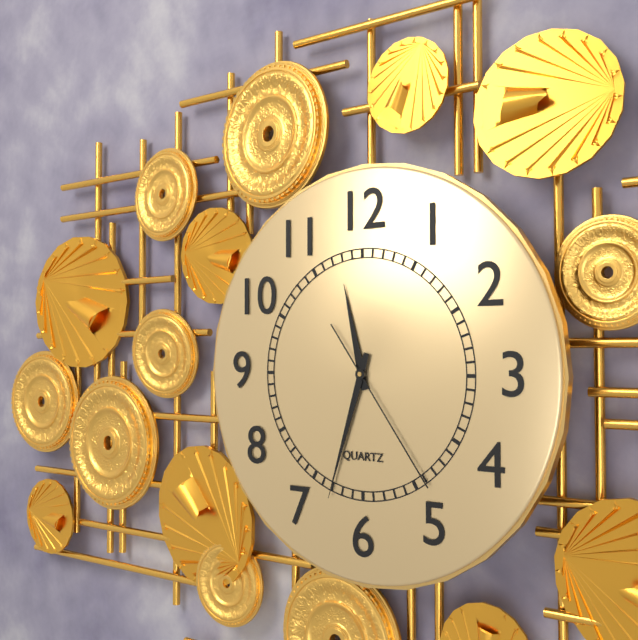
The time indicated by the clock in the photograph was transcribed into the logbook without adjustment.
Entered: 11:33:24
